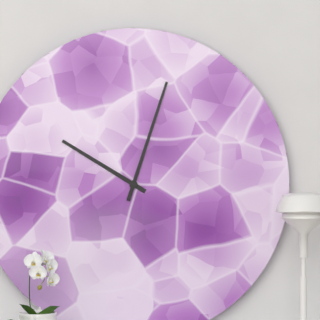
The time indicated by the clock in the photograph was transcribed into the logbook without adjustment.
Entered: 10:03
